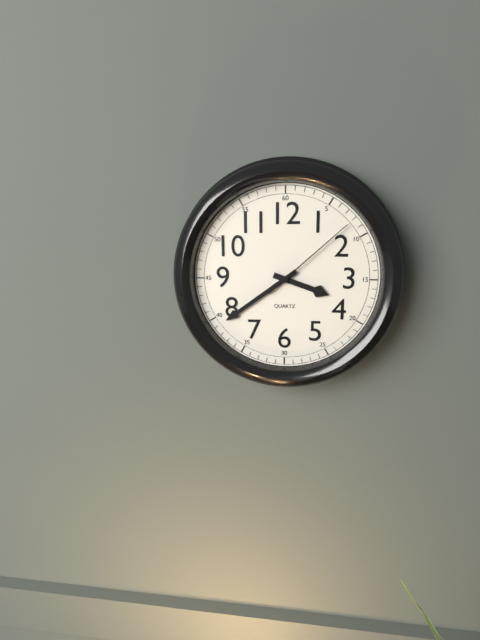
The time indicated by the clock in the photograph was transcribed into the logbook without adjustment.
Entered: 3:39:08
